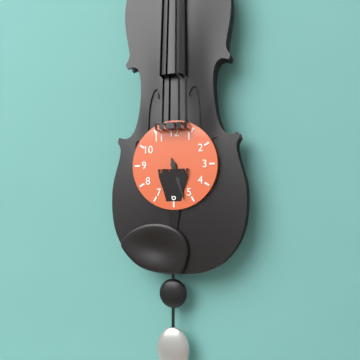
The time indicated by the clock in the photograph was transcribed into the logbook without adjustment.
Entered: 5:27
